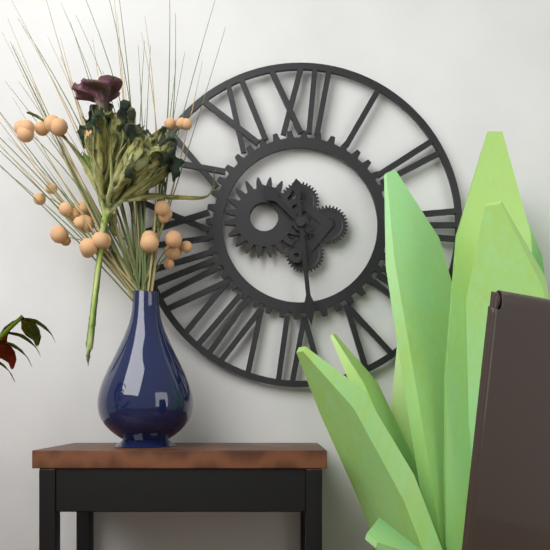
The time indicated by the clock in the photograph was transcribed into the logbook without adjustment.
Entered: 10:29
